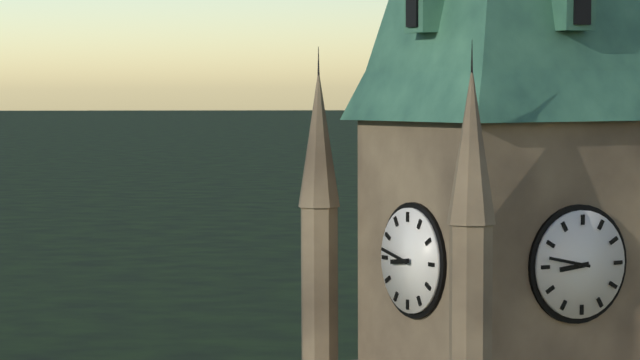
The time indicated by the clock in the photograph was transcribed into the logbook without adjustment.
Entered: 8:47
